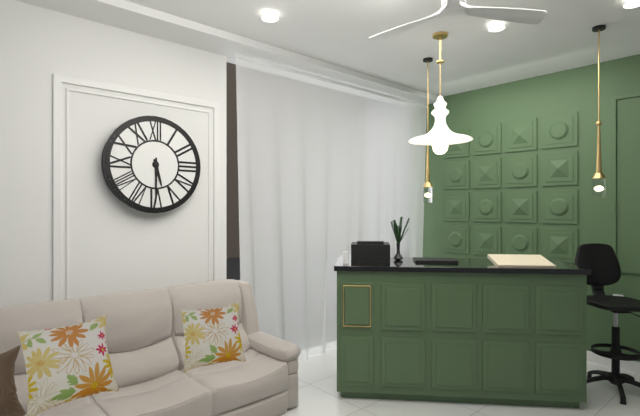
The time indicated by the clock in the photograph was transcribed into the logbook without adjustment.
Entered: 5:30
